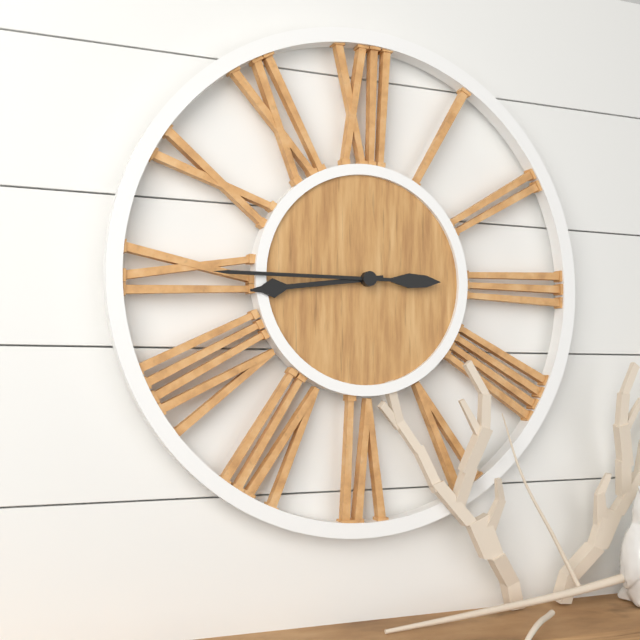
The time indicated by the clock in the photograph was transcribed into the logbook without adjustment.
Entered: 8:45
